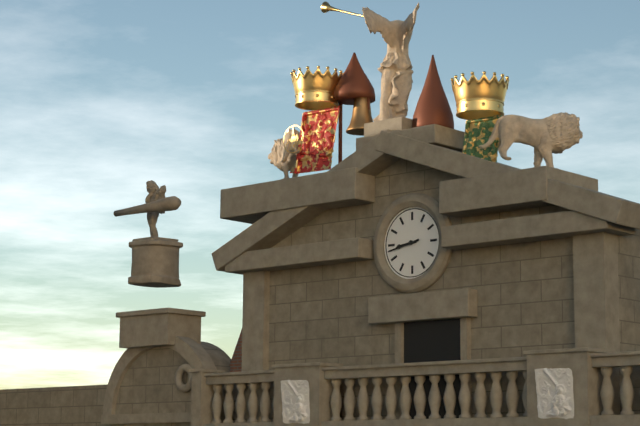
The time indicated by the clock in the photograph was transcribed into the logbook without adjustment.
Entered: 8:43
